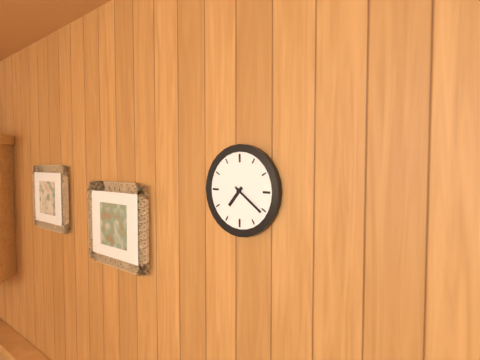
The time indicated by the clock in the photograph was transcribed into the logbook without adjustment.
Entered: 7:21
